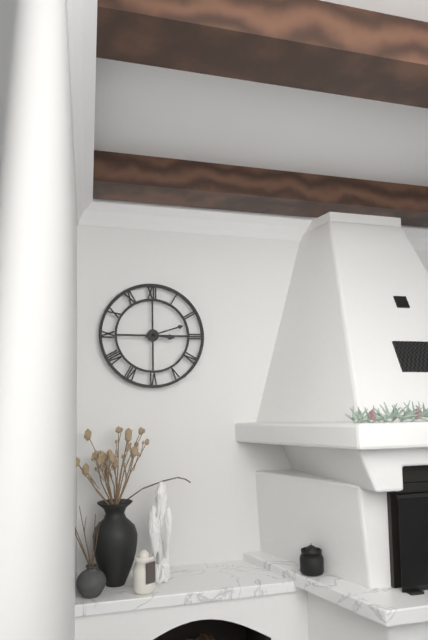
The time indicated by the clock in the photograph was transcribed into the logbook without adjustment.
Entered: 3:12
